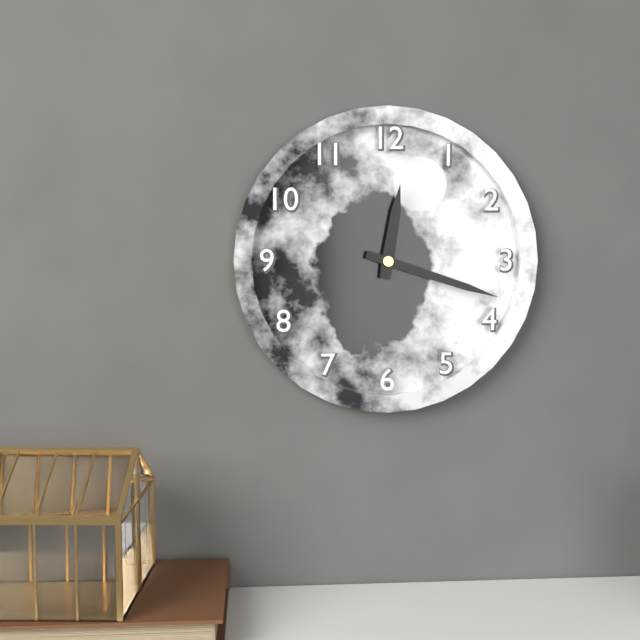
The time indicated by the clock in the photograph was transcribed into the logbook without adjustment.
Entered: 12:18
